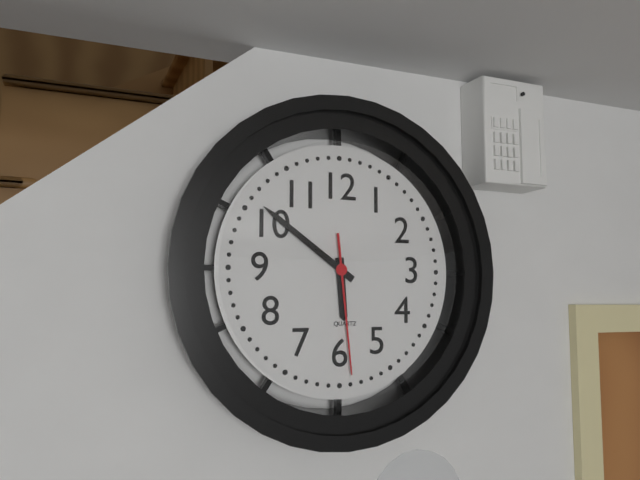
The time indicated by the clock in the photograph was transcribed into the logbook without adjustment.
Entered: 5:51:29
